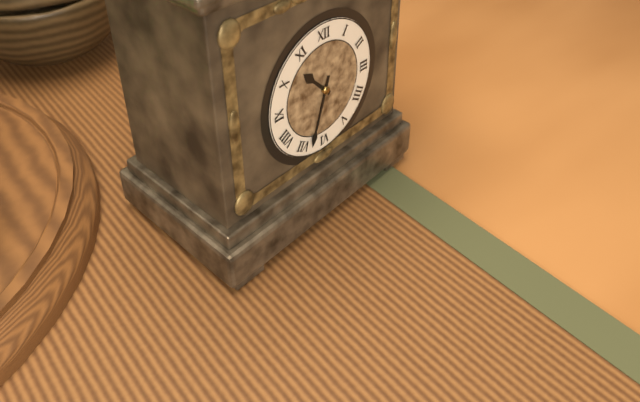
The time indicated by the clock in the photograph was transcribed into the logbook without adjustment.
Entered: 10:33
